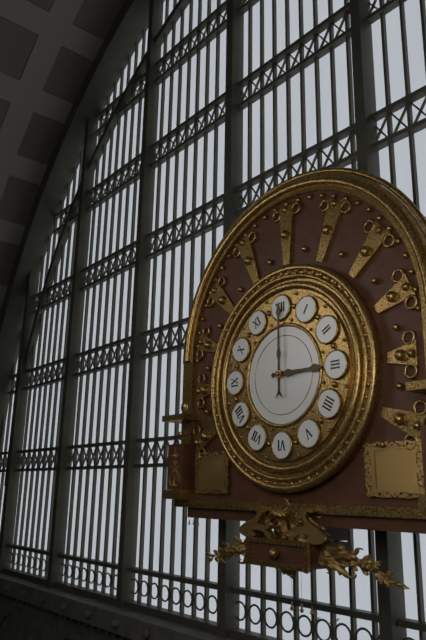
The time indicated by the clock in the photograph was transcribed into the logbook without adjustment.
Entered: 3:00
